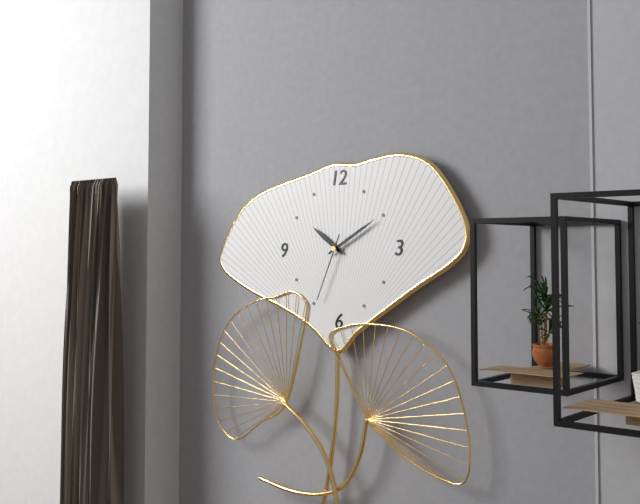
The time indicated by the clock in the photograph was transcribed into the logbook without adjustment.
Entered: 10:10:34
